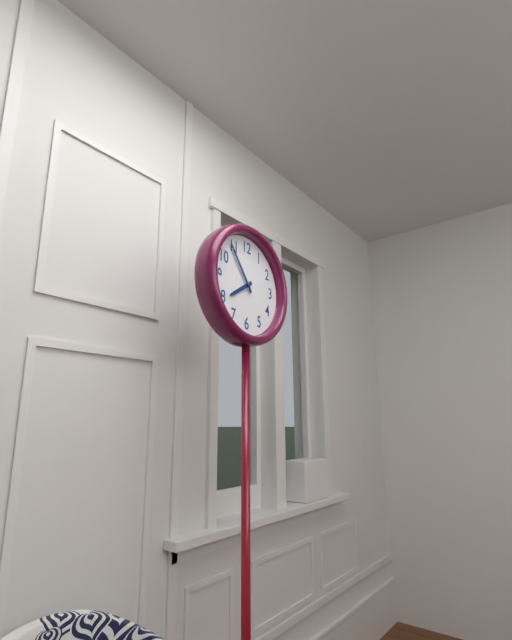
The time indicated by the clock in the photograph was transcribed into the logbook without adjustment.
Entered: 7:54
